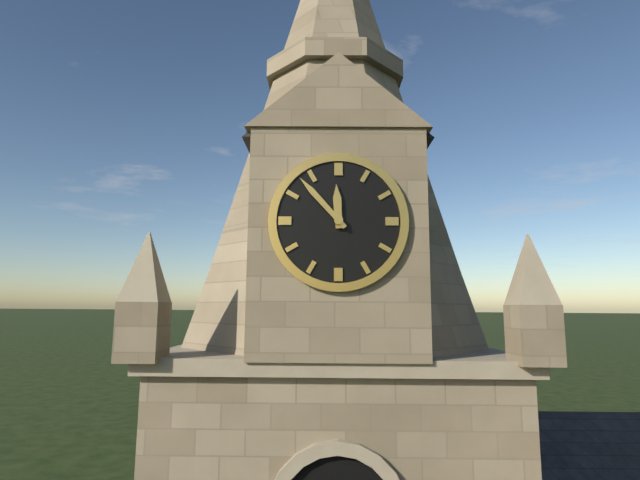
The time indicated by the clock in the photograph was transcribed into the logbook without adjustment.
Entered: 11:53
